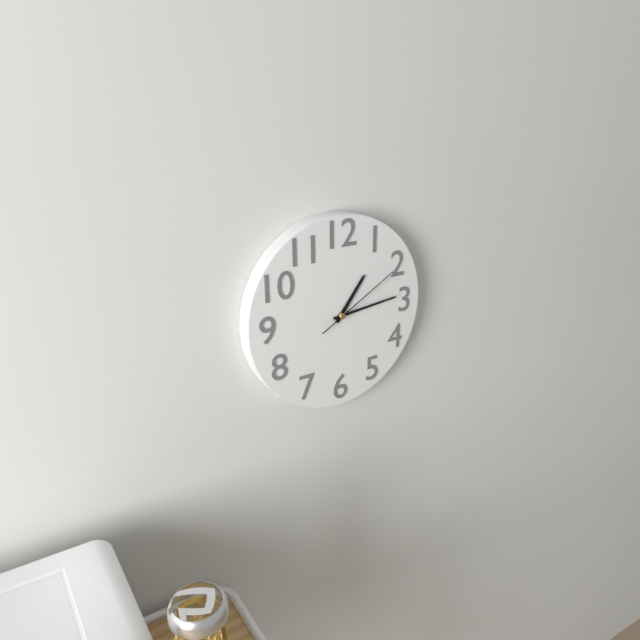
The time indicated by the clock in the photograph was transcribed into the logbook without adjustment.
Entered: 1:14:10
